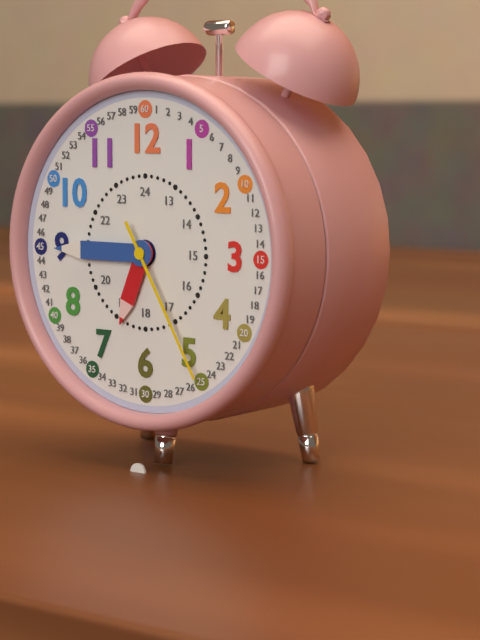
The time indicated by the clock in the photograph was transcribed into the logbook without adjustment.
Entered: 6:45:25
